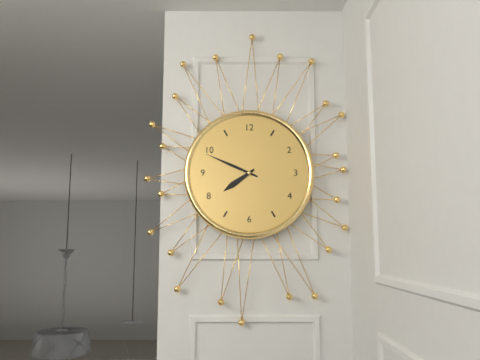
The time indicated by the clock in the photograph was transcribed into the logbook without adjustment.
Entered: 7:49
